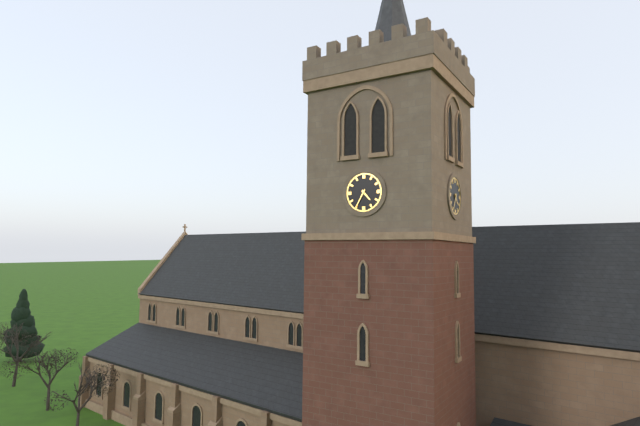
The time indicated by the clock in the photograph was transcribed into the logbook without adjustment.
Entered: 4:35
